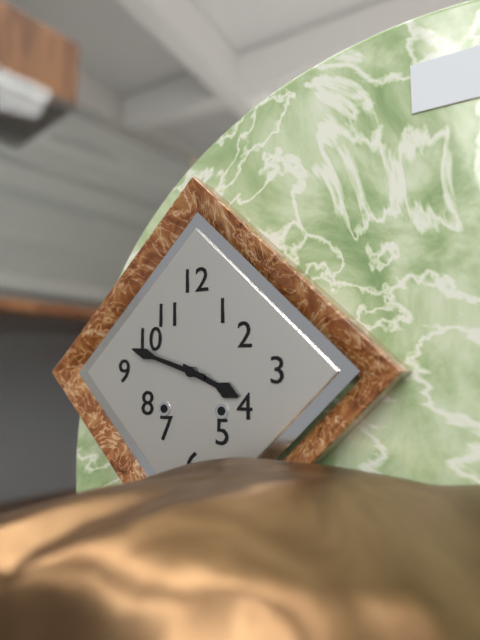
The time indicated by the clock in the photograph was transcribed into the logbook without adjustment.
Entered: 3:48
